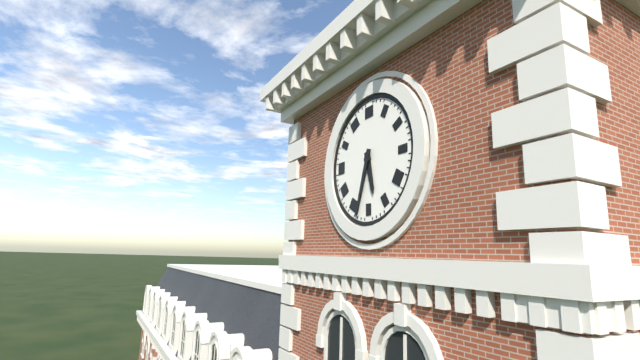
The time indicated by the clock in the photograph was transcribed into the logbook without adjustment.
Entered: 5:33
